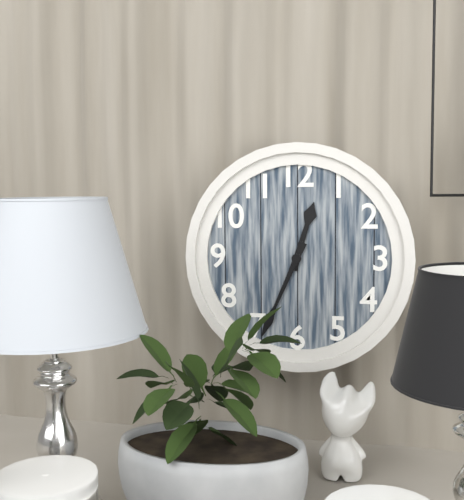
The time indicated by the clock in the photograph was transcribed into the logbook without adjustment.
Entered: 12:34
